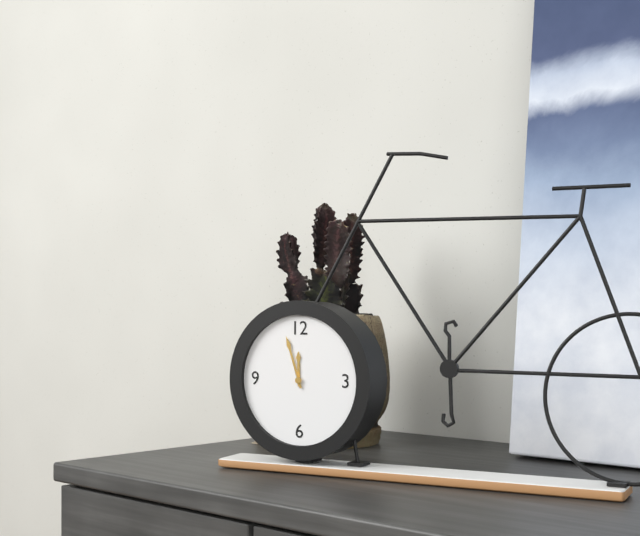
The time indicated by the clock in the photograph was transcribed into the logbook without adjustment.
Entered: 11:57
